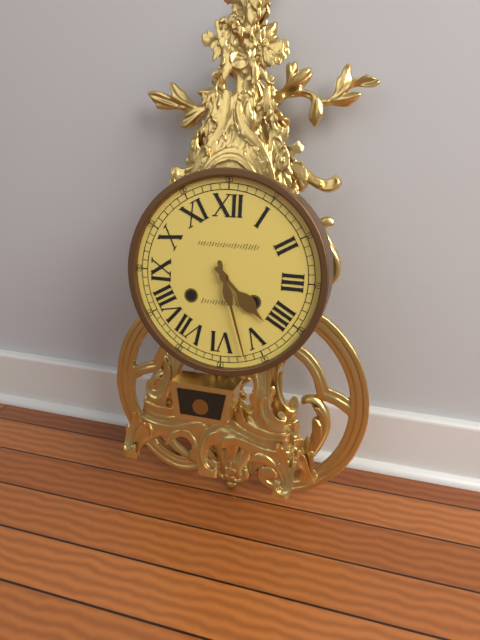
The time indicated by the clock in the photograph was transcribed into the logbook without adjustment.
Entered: 4:27
